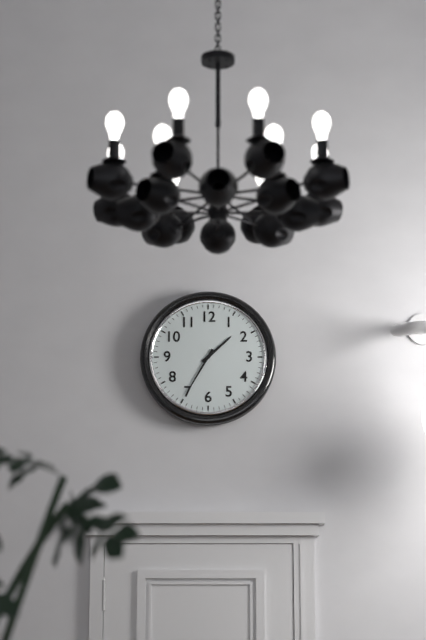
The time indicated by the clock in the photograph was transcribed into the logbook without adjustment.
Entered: 1:35
